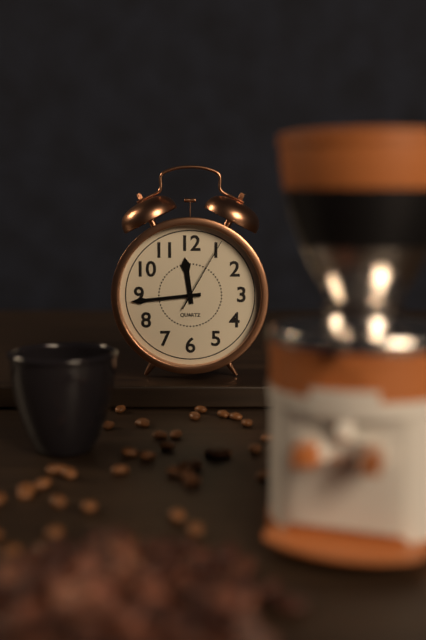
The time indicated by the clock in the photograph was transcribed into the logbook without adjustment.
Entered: 11:44:05
